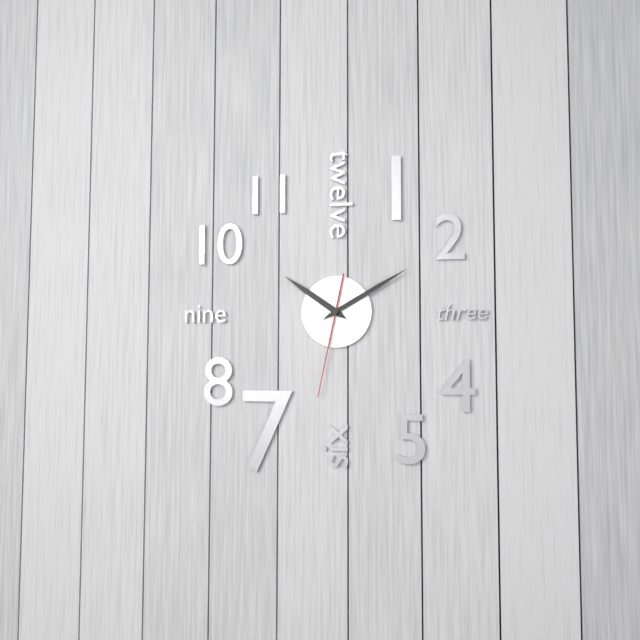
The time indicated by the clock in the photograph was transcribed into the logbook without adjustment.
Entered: 10:10:32
